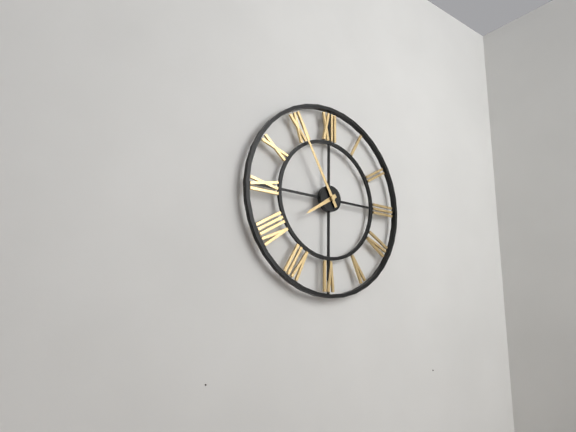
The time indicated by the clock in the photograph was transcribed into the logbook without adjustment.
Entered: 7:55
